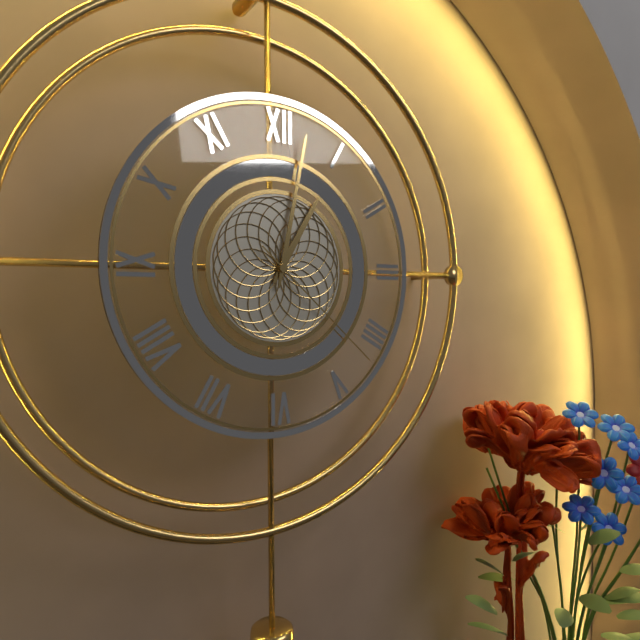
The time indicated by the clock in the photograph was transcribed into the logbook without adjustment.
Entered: 1:02:22
